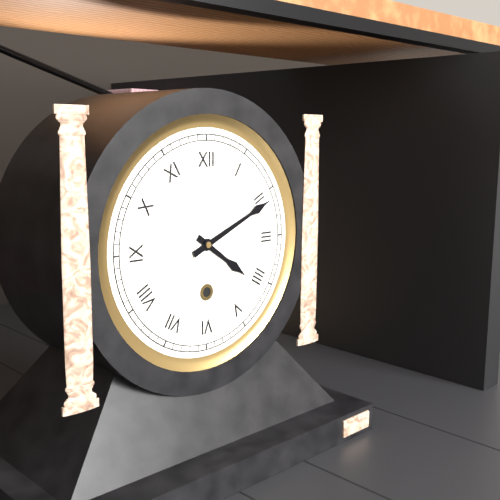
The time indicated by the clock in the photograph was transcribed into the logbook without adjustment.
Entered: 4:11
